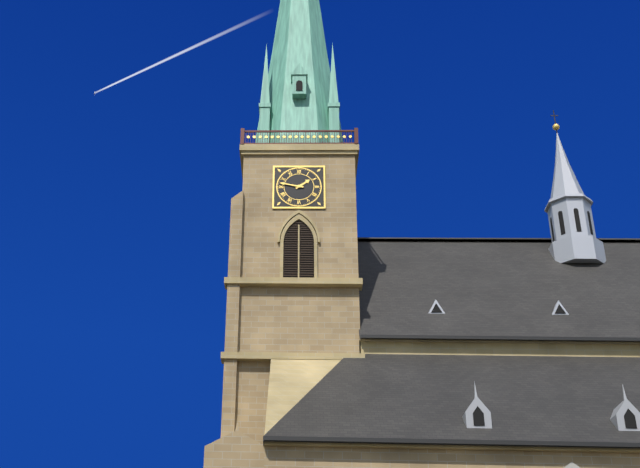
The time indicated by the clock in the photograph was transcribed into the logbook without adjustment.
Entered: 1:47
